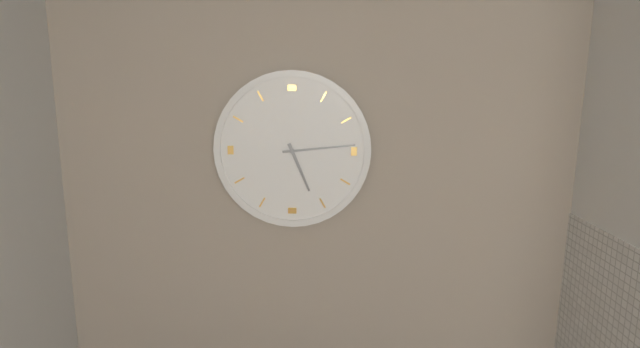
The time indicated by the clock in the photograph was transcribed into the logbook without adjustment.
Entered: 5:14
